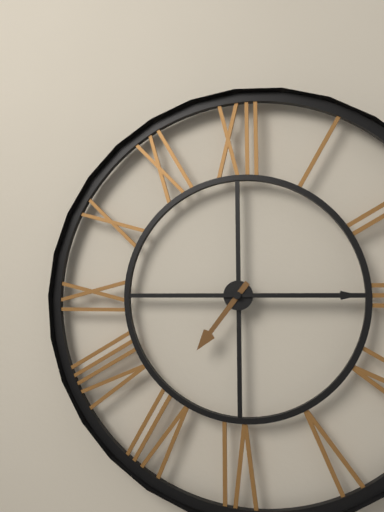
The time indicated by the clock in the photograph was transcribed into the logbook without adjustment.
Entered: 7:15
